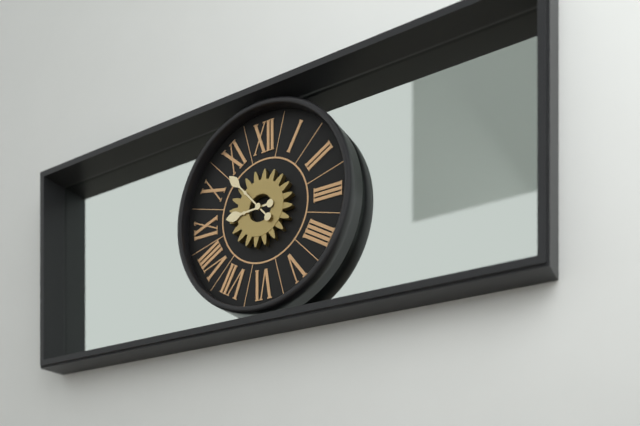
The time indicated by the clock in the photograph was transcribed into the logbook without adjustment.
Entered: 8:53
